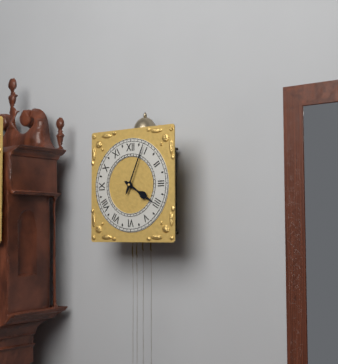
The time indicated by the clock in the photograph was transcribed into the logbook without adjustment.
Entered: 4:04
